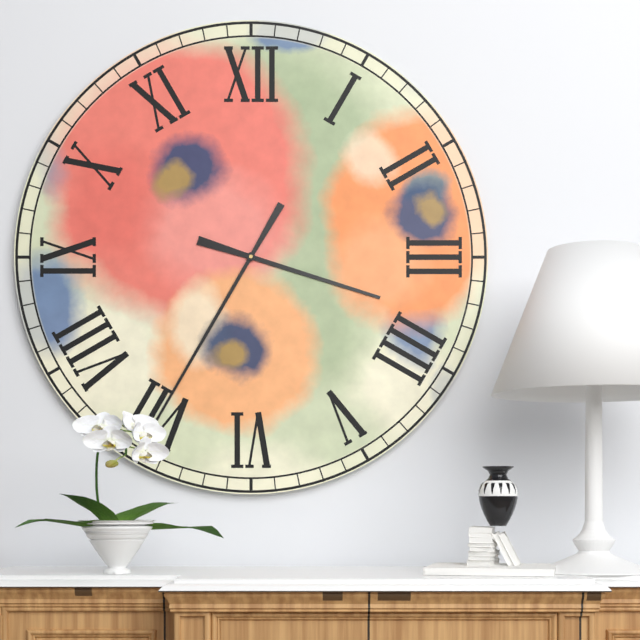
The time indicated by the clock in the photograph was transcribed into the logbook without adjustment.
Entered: 3:35
